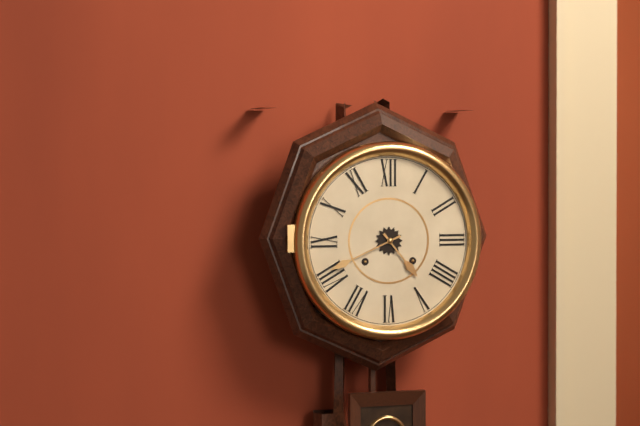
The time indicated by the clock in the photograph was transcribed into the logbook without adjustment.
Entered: 4:41
